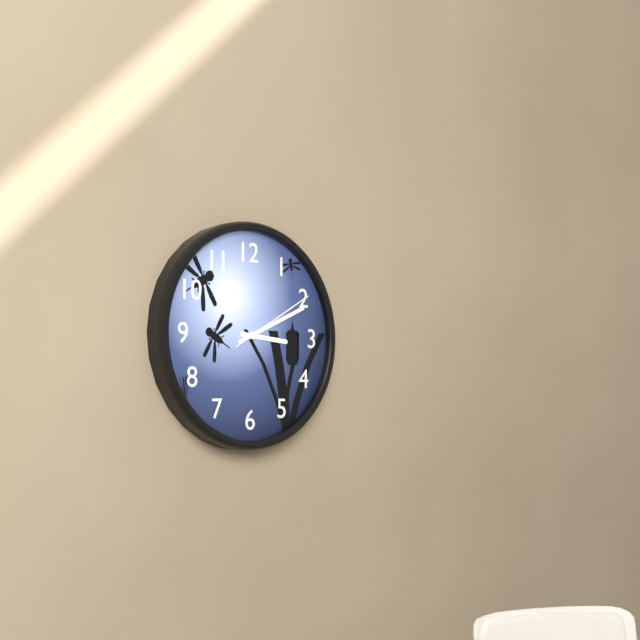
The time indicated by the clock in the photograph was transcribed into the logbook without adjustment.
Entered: 3:11:10
